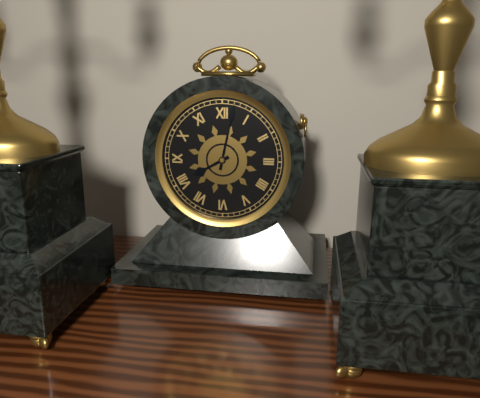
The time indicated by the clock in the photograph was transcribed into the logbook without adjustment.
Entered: 8:02
